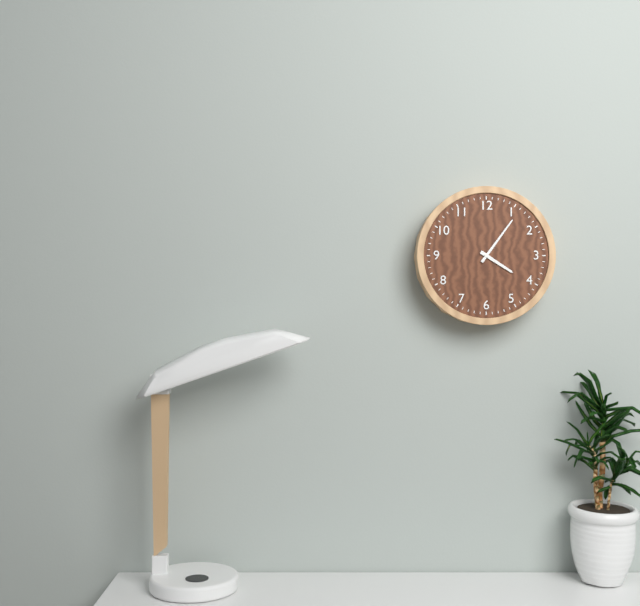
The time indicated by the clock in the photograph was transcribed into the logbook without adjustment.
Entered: 4:06
